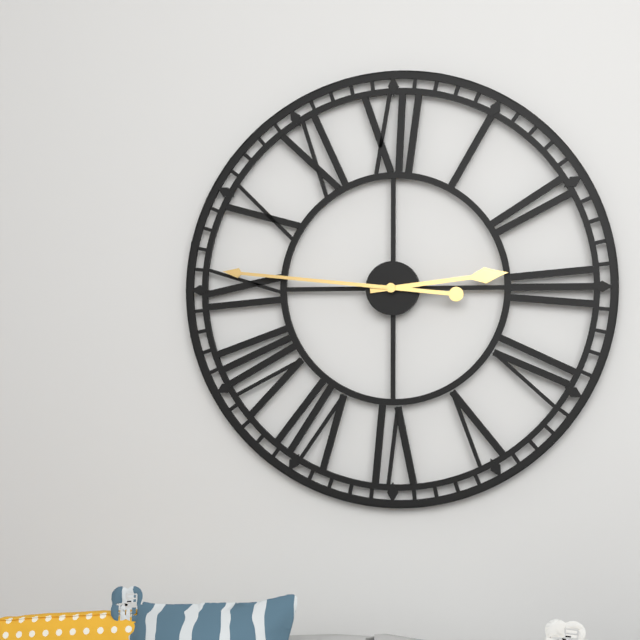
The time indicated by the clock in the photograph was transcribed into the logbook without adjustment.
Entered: 2:46
